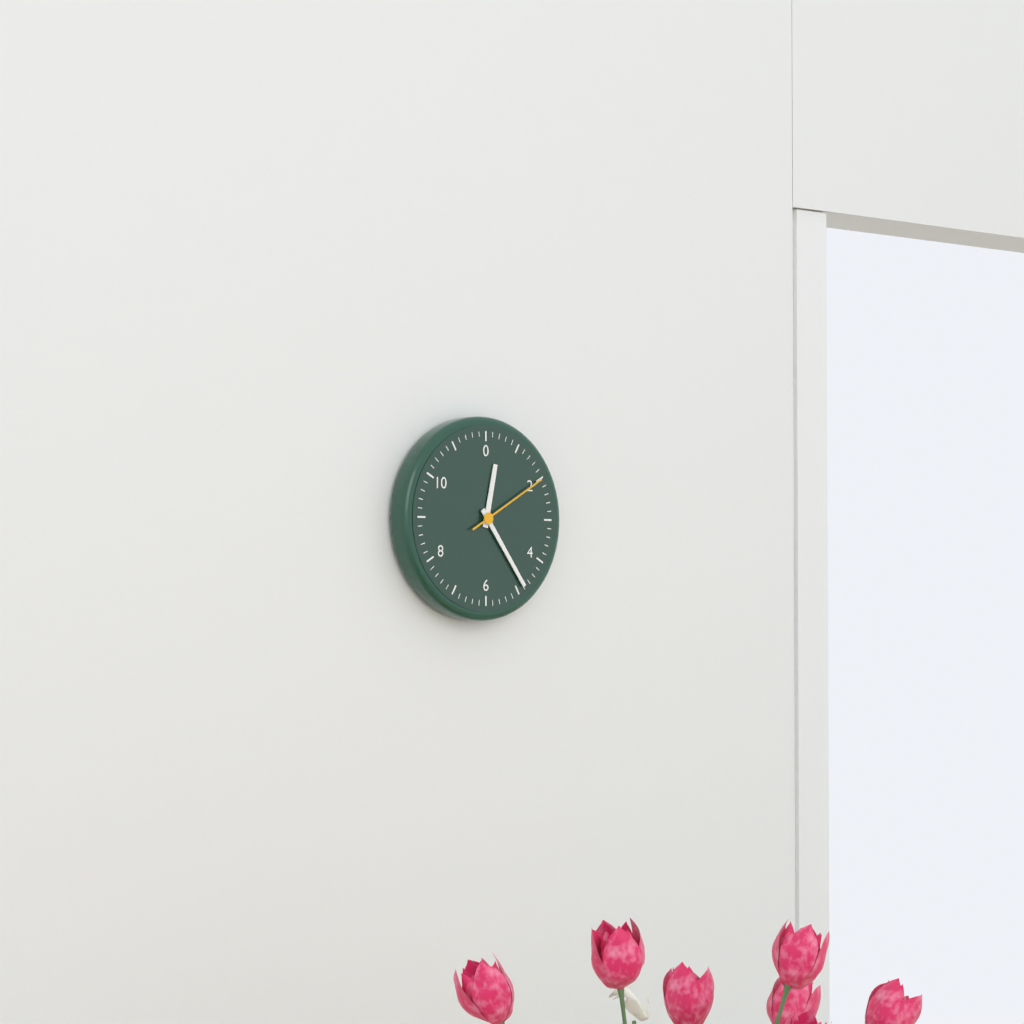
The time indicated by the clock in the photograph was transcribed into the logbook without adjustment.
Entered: 12:24:10
